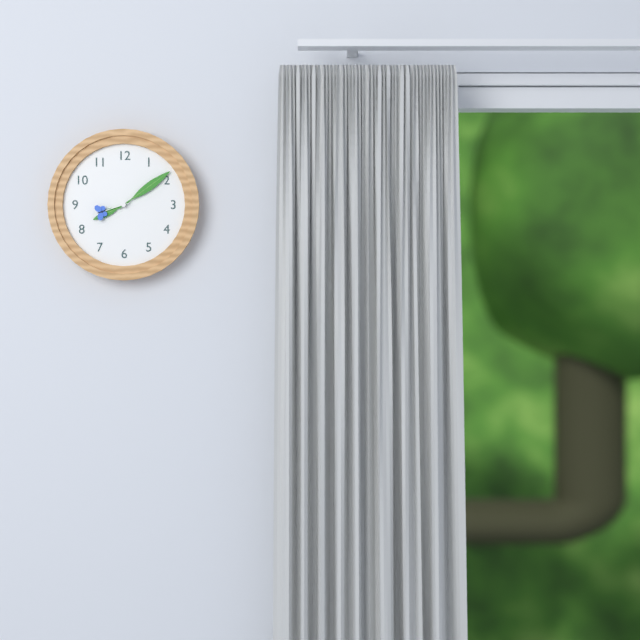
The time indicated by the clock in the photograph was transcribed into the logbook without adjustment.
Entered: 8:09
